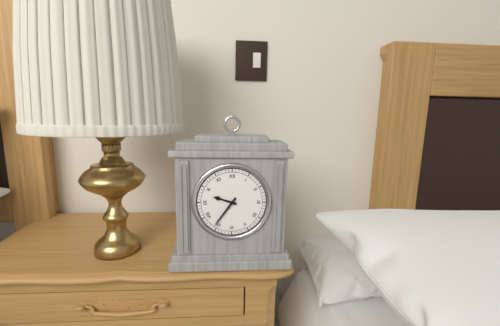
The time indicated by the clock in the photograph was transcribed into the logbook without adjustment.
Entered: 9:36
